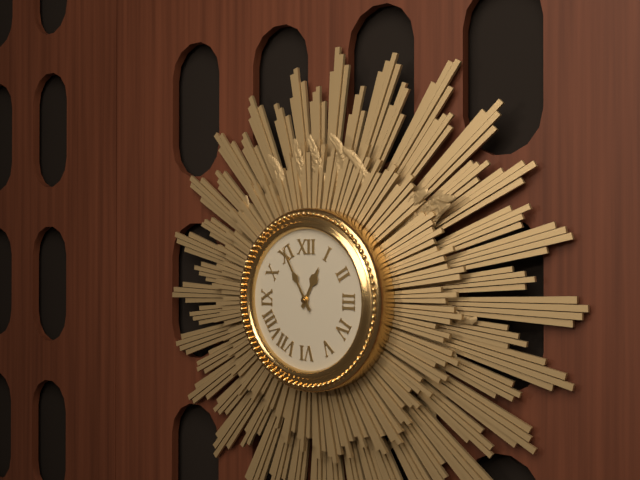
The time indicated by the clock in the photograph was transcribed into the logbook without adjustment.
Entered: 12:55
